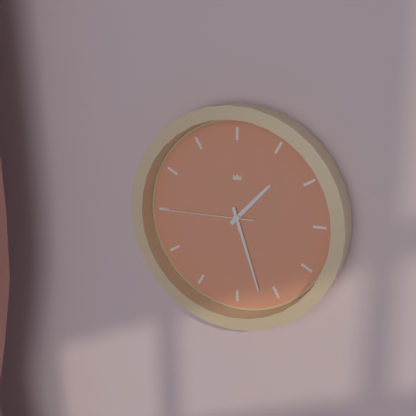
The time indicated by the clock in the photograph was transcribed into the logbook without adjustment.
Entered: 1:27:45
